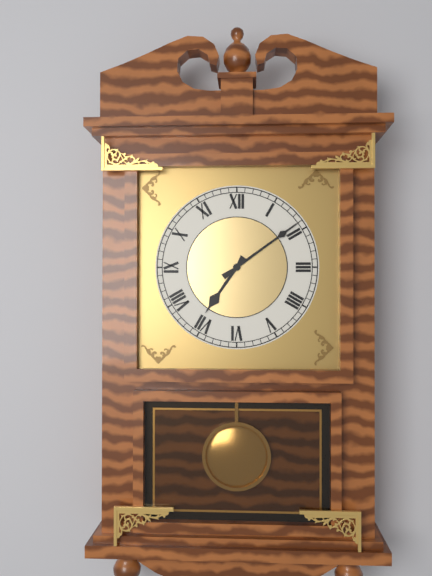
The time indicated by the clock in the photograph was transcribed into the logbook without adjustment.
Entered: 7:09
